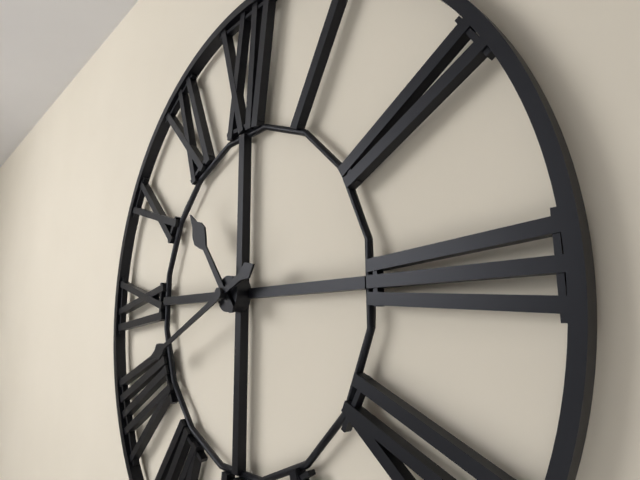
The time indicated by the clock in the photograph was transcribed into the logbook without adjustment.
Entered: 10:41
